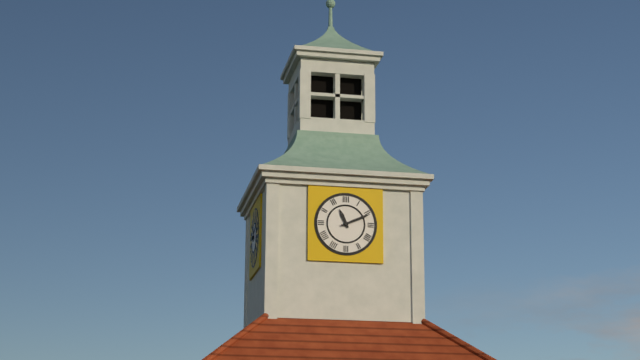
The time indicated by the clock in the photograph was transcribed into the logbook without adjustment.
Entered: 11:11
